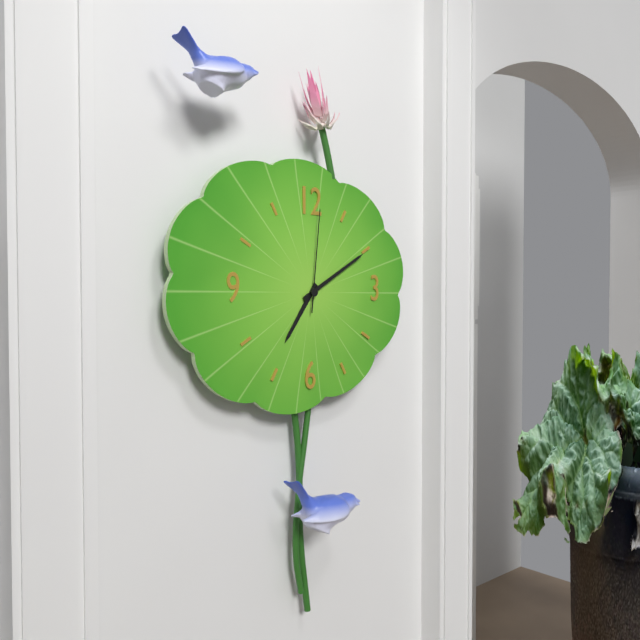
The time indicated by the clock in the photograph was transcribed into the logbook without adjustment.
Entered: 7:10:01
